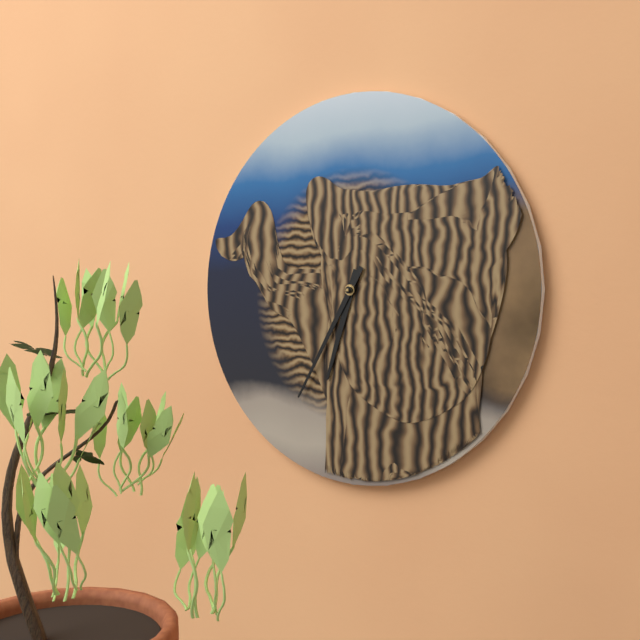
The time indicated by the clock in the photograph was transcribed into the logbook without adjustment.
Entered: 6:35
